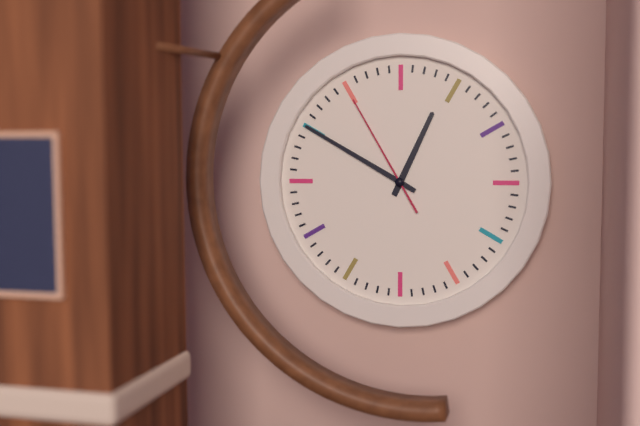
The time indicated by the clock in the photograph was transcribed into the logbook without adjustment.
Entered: 12:50:55
